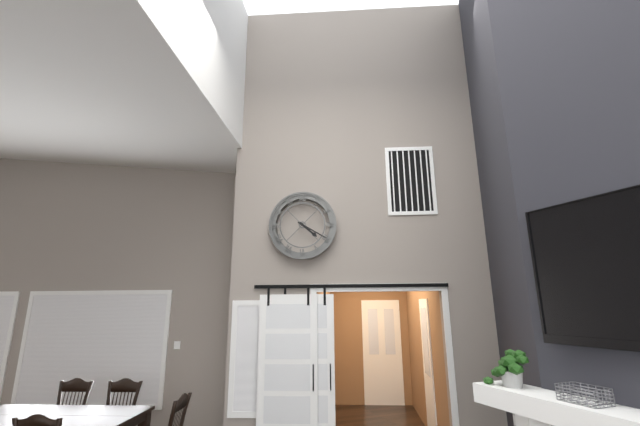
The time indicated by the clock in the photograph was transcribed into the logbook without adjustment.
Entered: 4:20
